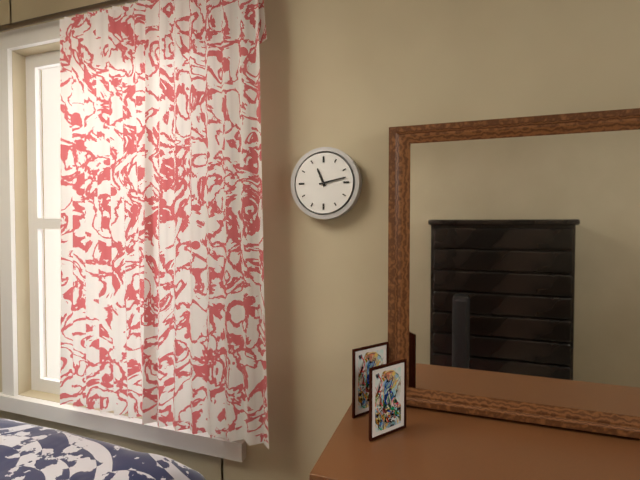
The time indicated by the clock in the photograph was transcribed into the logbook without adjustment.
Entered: 11:13
